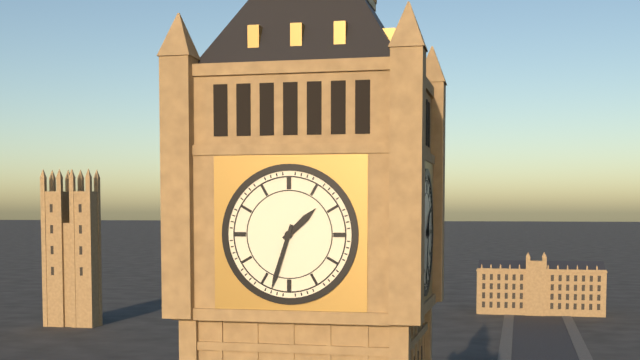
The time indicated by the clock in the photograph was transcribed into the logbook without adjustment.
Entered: 1:33
